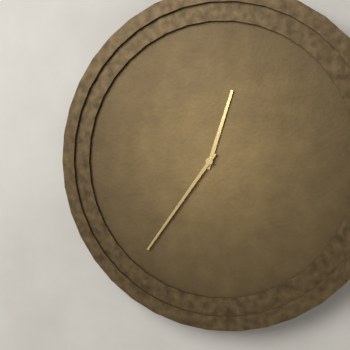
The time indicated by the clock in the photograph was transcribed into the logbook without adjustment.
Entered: 12:36
